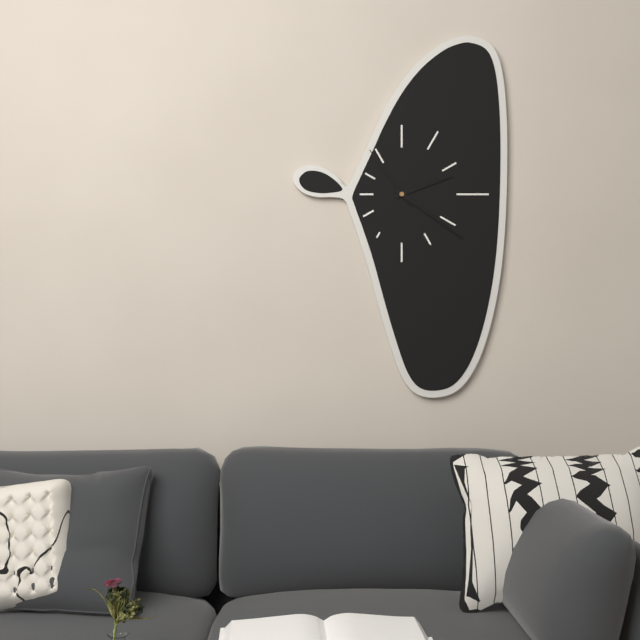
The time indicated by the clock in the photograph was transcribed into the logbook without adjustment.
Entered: 2:21:54
